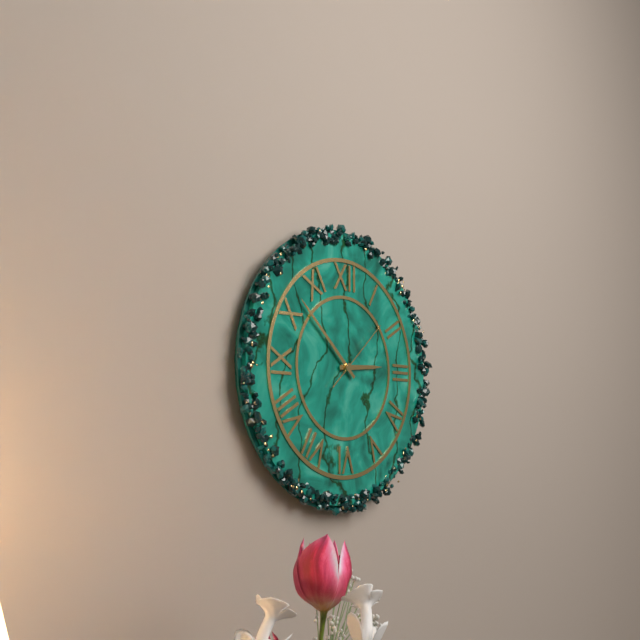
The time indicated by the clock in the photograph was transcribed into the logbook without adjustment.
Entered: 2:52:08
